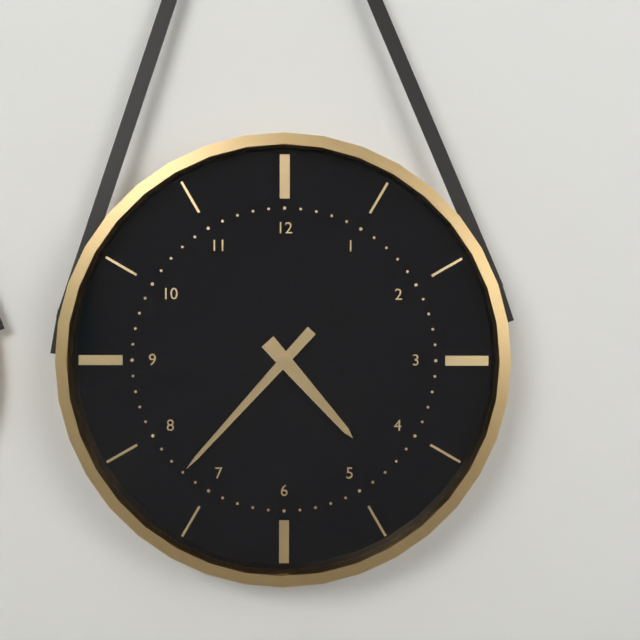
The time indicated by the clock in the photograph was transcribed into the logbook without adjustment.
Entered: 4:37
